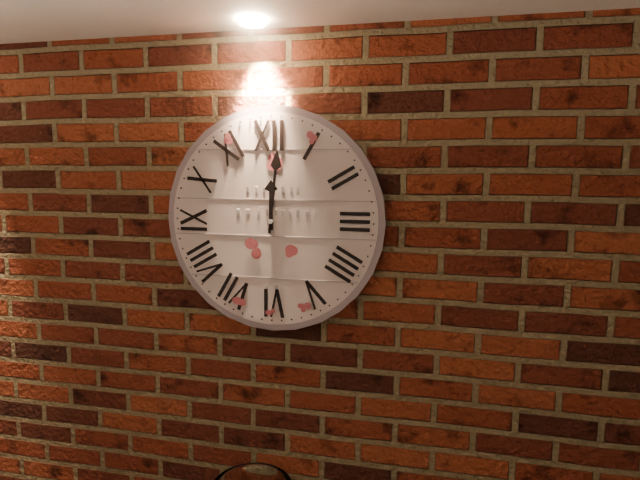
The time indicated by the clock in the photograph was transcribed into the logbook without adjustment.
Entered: 12:01
